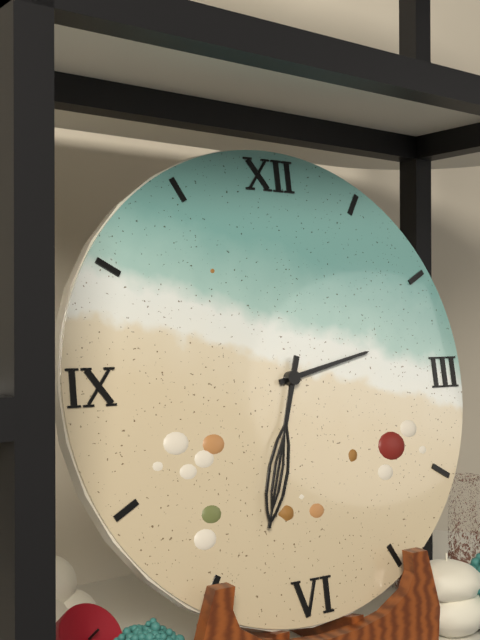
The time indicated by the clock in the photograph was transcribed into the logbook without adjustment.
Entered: 2:33
